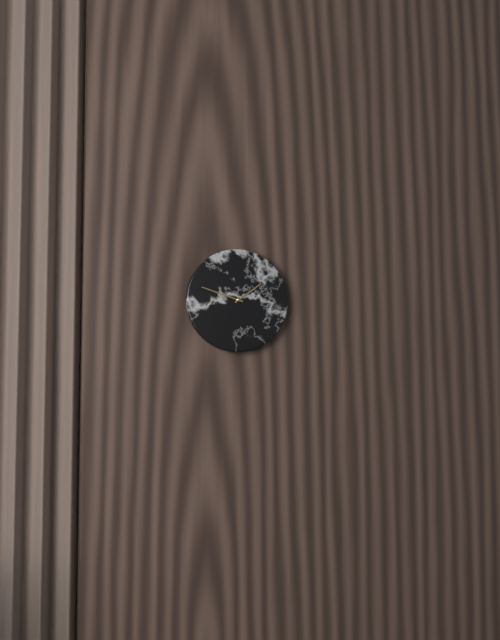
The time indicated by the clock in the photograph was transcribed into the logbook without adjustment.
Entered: 1:48
